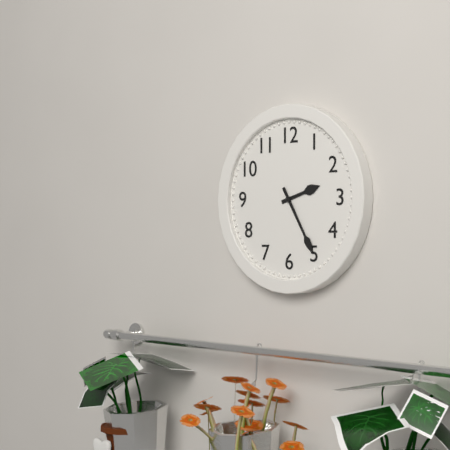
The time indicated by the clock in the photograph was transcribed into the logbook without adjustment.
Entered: 2:25
